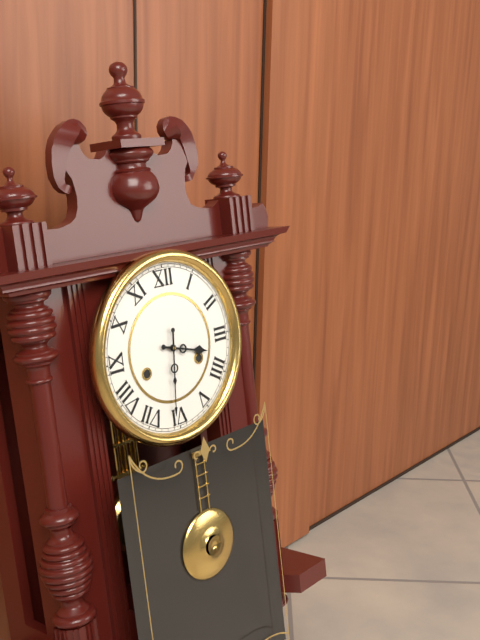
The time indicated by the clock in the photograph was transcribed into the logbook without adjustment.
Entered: 3:31
